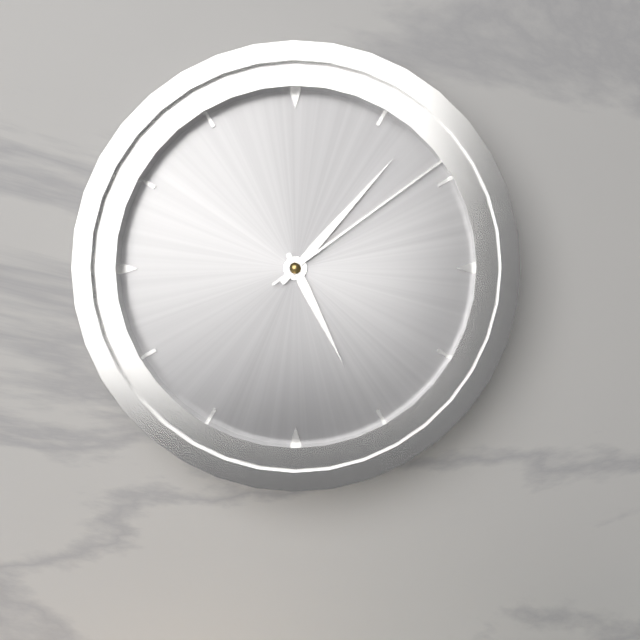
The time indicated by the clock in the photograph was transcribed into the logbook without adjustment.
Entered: 5:07:09
